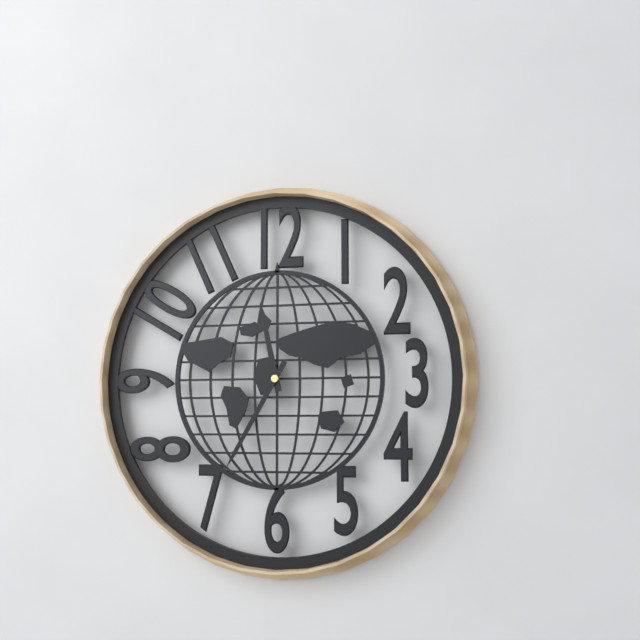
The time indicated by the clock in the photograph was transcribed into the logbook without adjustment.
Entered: 11:35
